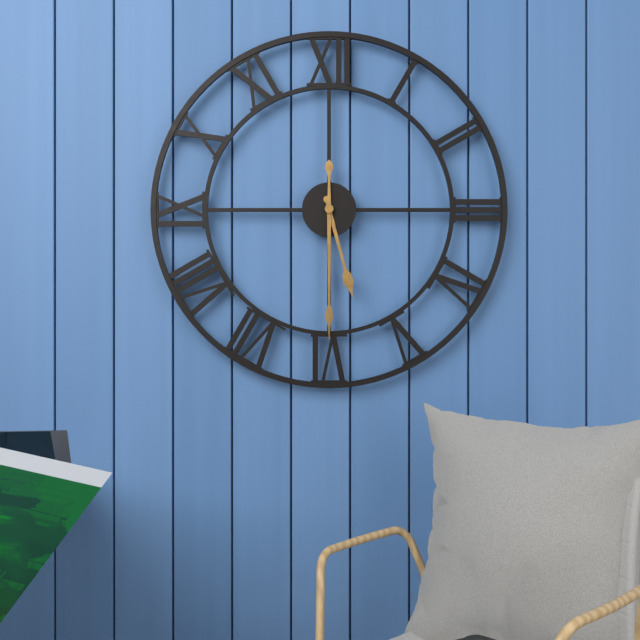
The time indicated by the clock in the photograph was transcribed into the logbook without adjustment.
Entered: 5:30
